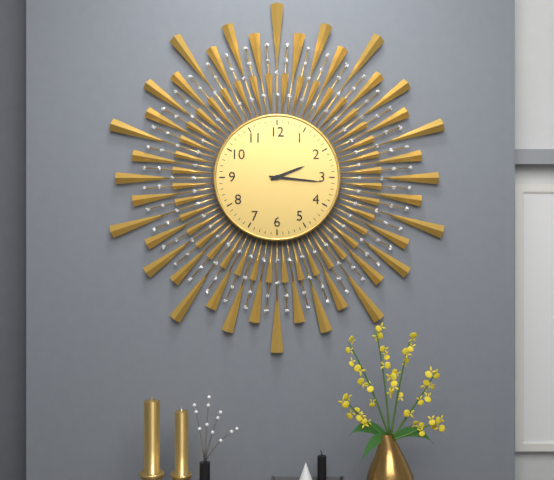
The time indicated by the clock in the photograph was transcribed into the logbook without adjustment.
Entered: 2:16
